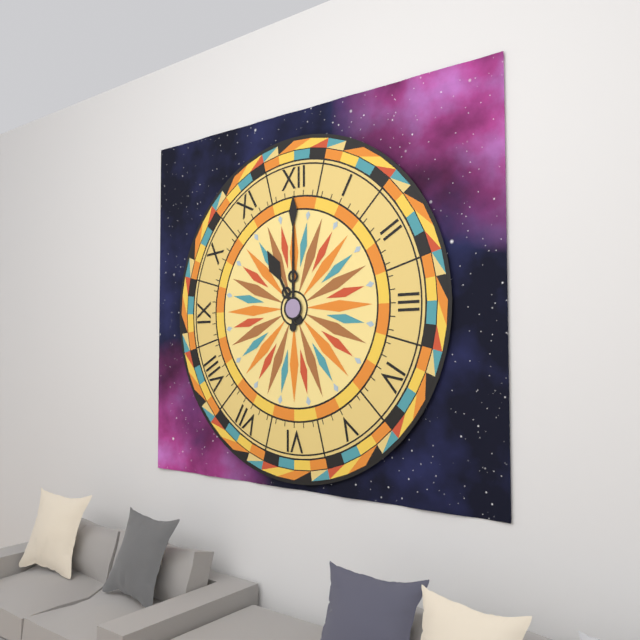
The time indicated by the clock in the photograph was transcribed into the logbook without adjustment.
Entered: 11:00
